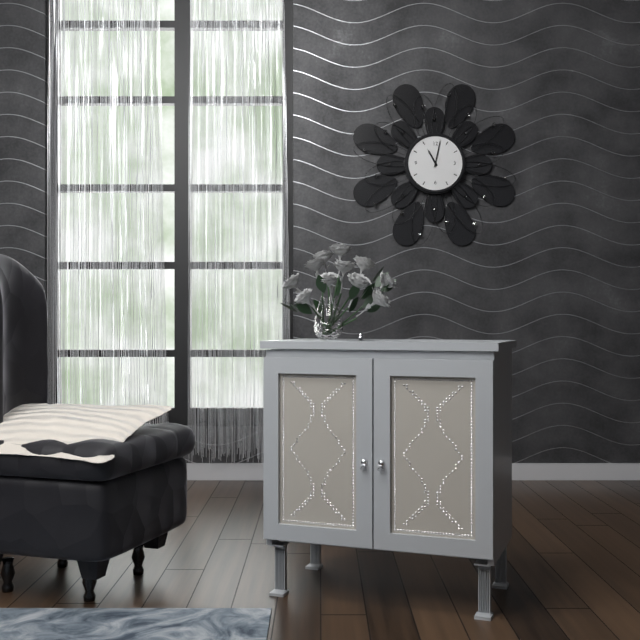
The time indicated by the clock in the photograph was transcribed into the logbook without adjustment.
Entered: 11:02
